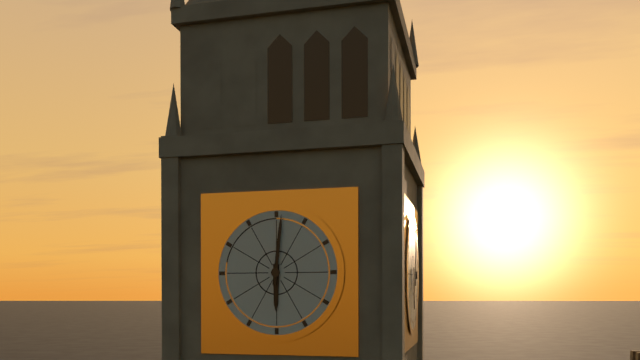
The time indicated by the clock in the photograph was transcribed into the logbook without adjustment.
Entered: 6:01
